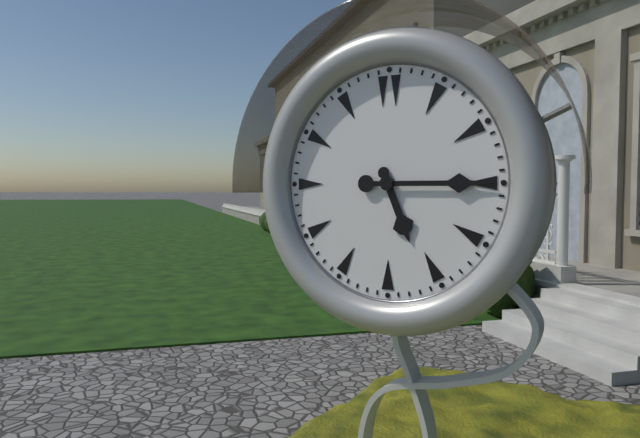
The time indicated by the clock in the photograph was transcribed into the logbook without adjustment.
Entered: 5:15
